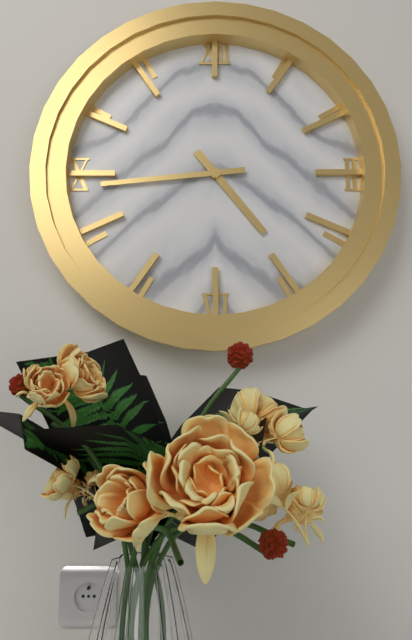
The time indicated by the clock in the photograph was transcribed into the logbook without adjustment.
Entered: 4:44
